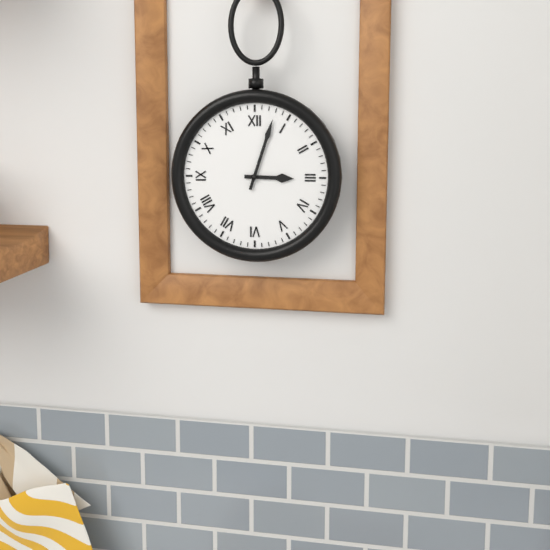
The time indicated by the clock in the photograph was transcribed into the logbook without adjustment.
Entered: 3:03
